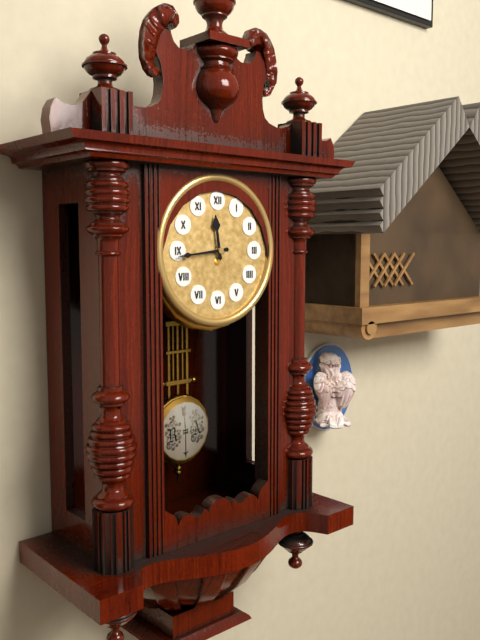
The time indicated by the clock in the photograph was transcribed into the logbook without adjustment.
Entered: 11:44
